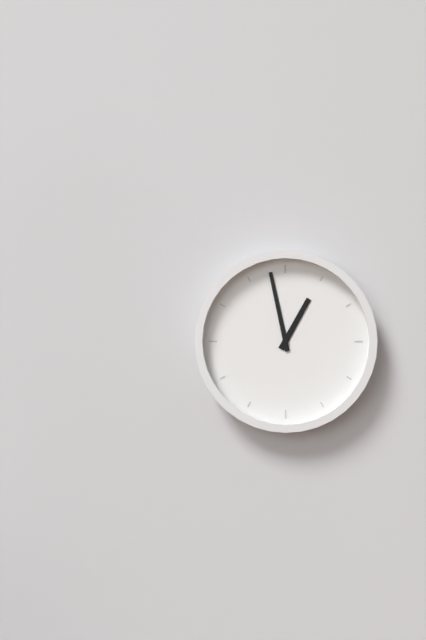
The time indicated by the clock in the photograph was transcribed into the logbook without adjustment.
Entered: 12:58
